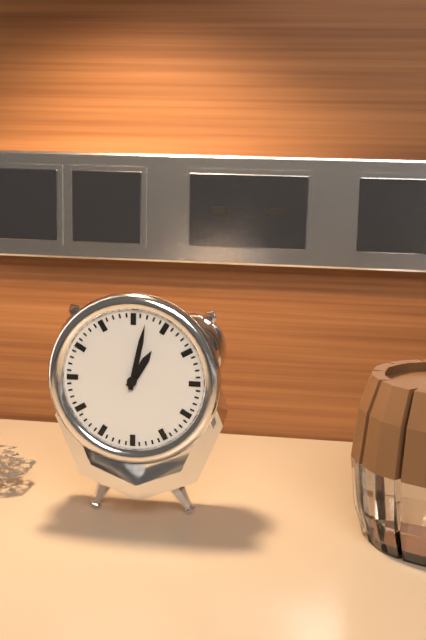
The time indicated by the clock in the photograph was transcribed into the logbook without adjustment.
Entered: 1:02
